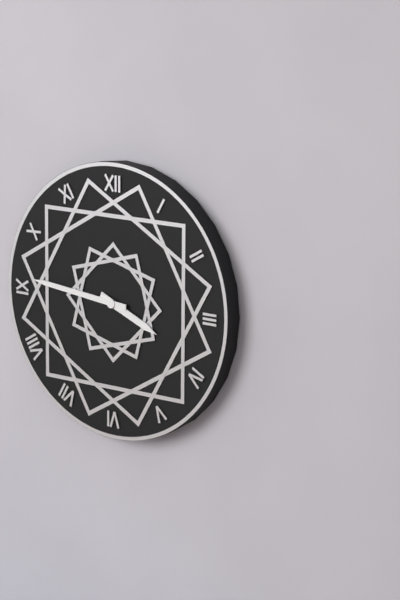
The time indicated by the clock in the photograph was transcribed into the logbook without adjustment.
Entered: 3:46
